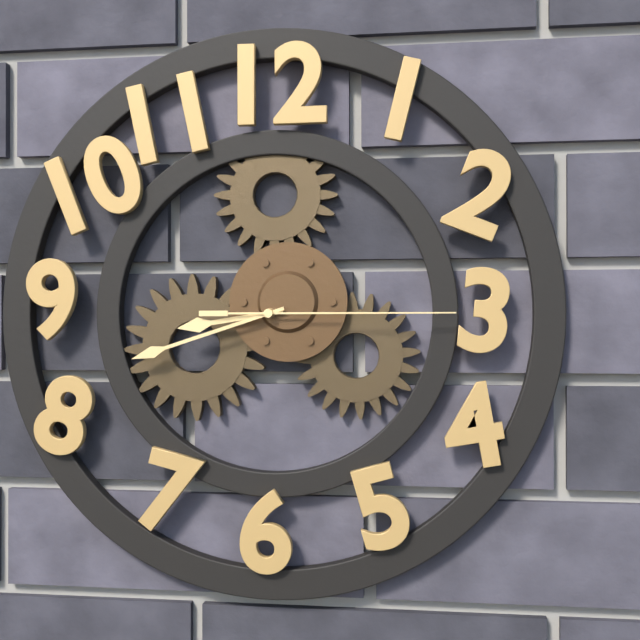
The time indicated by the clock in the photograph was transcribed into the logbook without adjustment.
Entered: 8:42:15
